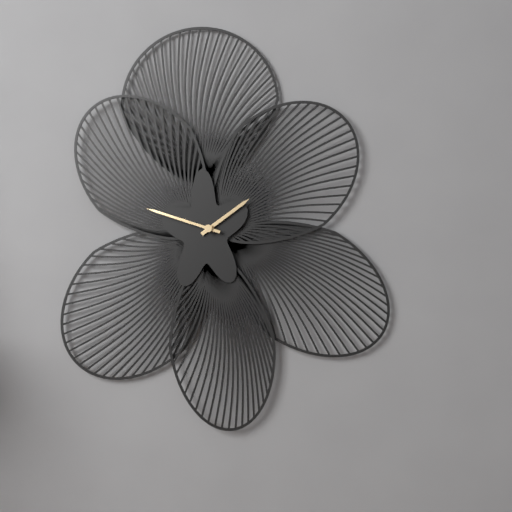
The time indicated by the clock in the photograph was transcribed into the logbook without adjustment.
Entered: 1:48
